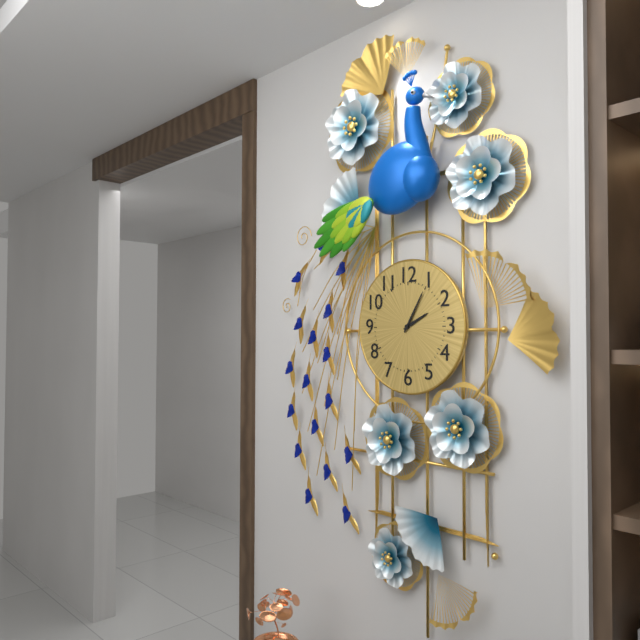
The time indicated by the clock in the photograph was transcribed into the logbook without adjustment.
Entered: 2:05
